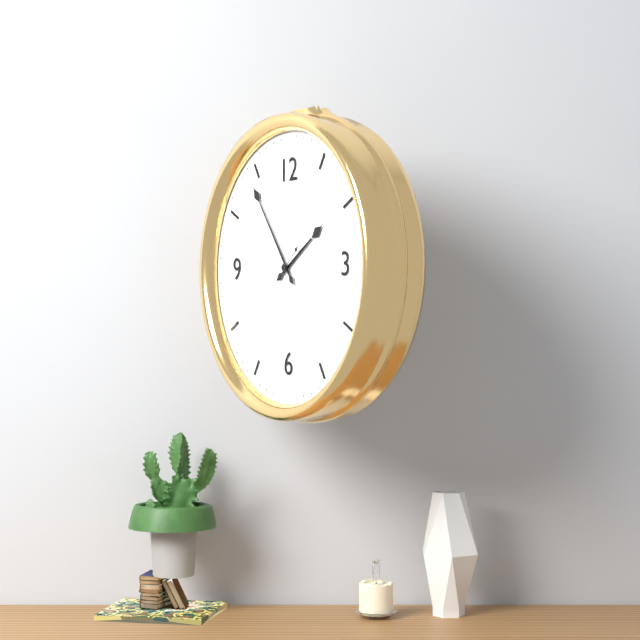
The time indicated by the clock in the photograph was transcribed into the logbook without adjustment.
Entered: 1:54:38
